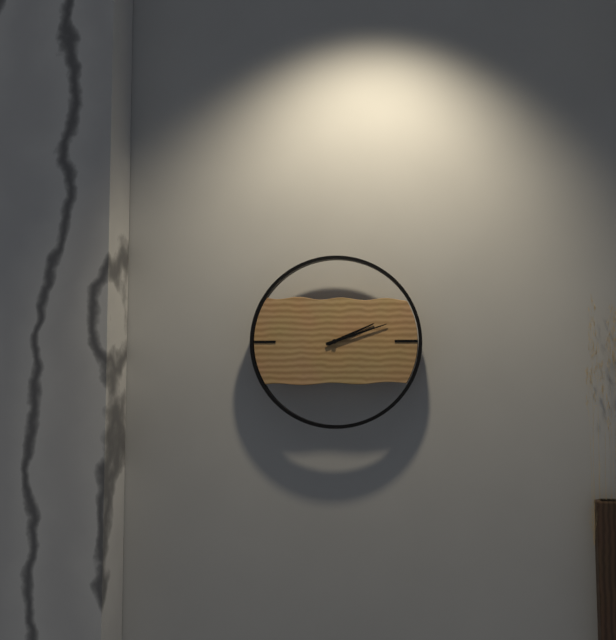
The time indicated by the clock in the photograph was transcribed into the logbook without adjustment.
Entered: 2:12
